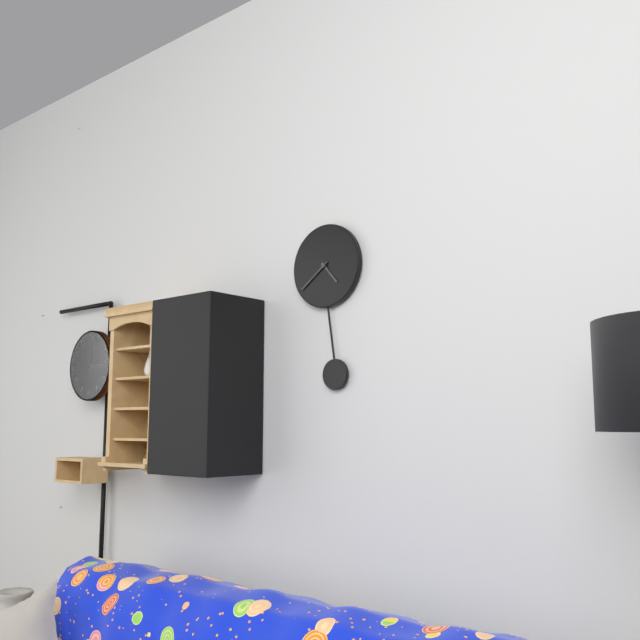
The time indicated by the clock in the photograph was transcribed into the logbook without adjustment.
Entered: 4:39
